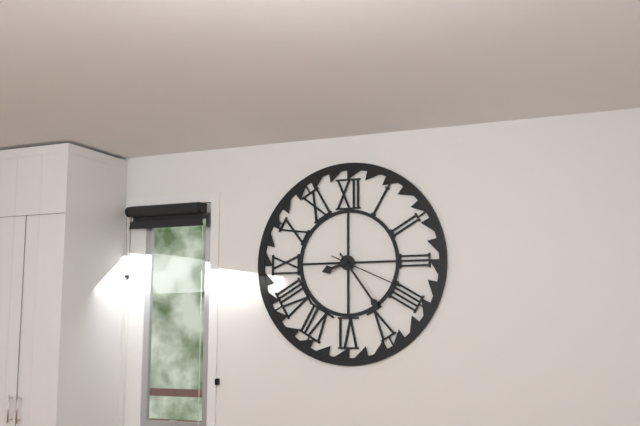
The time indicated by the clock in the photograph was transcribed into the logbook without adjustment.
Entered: 8:24:19
